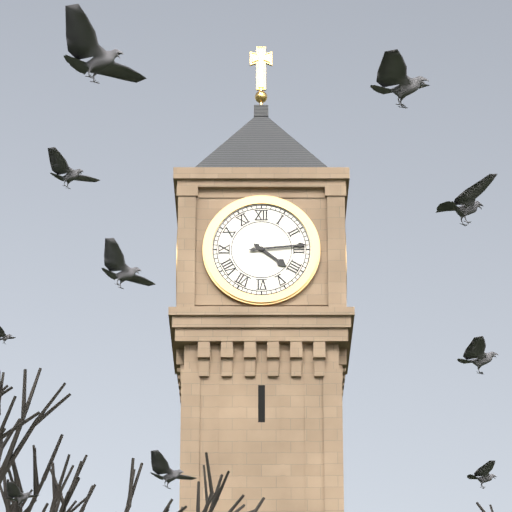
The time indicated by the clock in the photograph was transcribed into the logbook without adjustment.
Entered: 4:14
